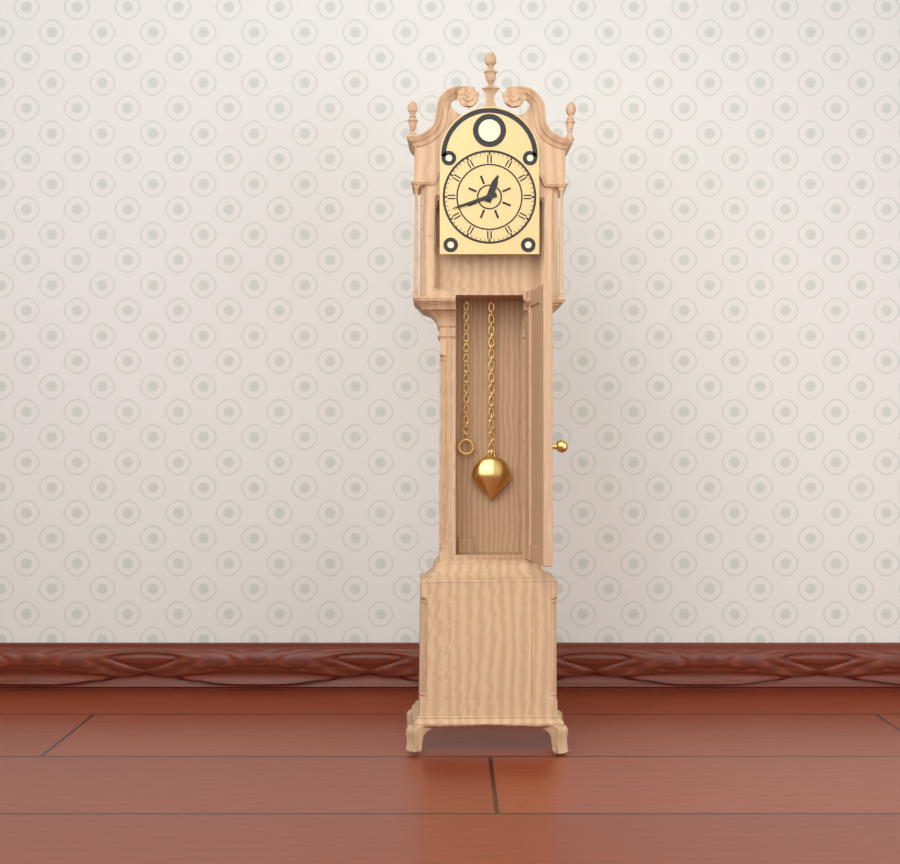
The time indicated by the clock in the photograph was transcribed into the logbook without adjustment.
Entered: 12:42
